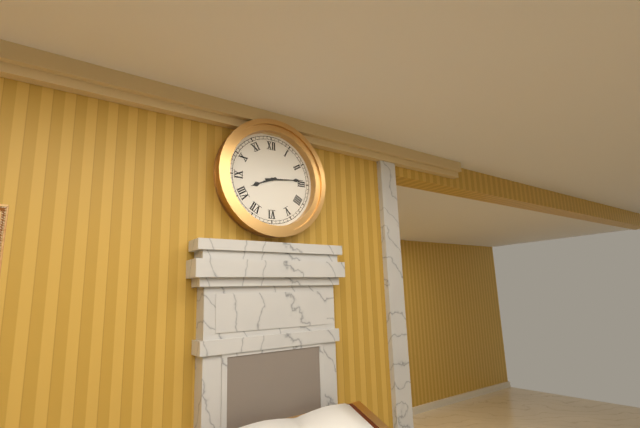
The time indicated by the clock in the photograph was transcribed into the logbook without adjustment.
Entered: 8:14
